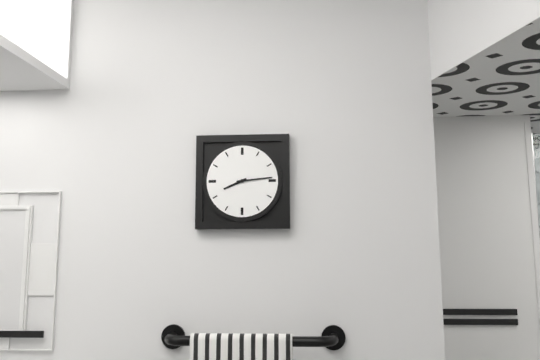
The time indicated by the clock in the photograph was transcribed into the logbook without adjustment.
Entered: 8:14
